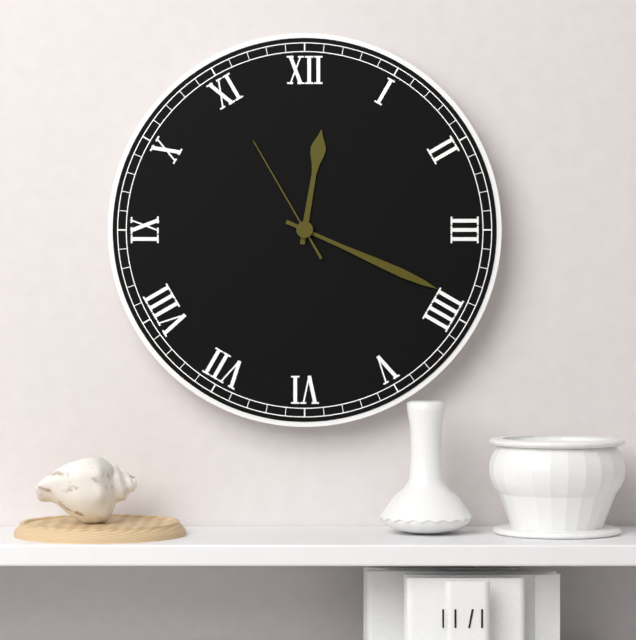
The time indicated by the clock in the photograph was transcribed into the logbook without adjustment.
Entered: 12:19:55
